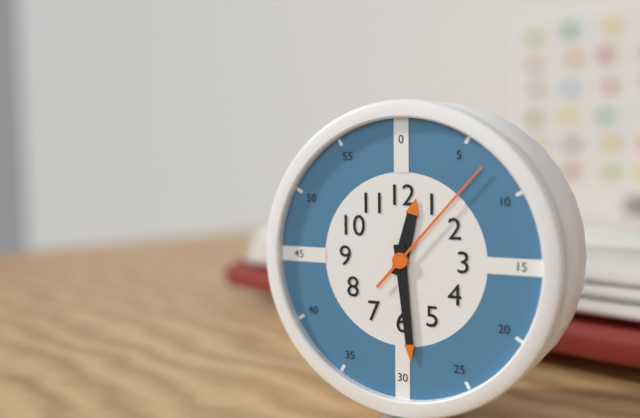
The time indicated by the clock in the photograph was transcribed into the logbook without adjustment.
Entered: 12:29:07
